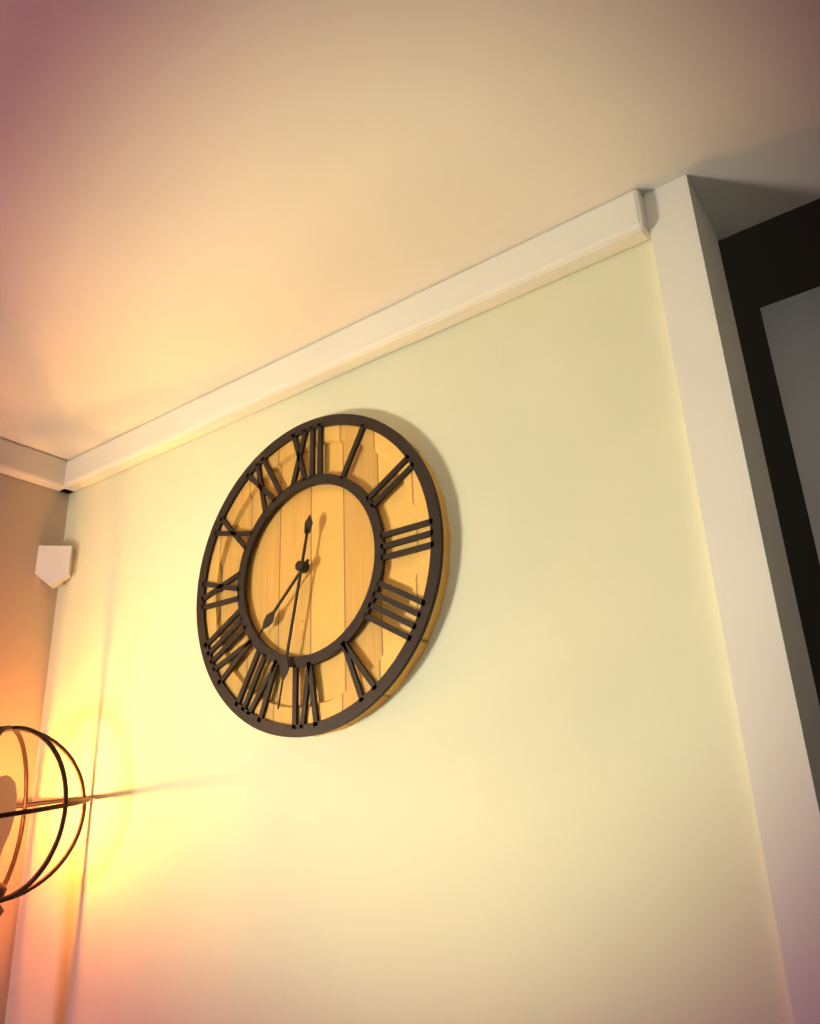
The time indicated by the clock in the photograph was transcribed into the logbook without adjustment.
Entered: 7:32
